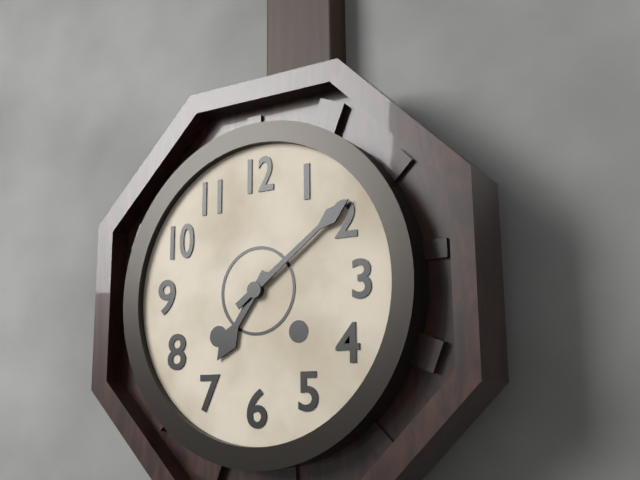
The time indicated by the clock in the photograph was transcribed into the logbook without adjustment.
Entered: 7:09
